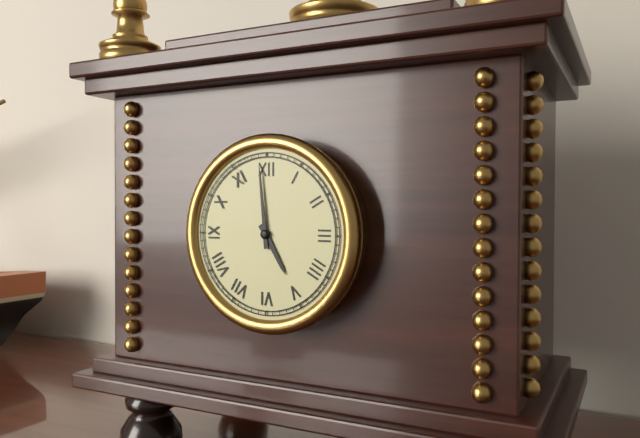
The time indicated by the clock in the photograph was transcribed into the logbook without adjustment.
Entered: 4:59
